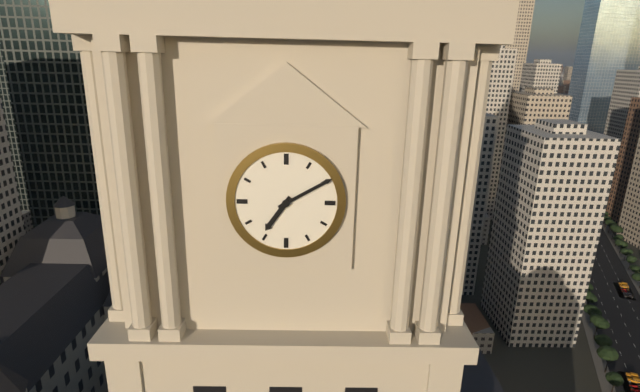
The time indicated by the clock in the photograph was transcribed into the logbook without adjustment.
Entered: 7:10
